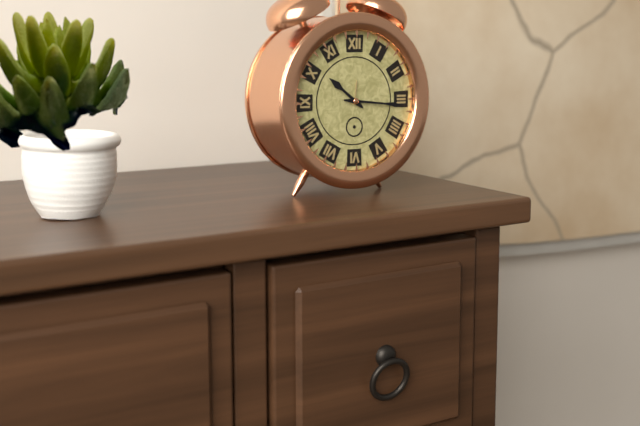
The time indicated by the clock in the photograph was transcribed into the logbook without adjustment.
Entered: 10:16
